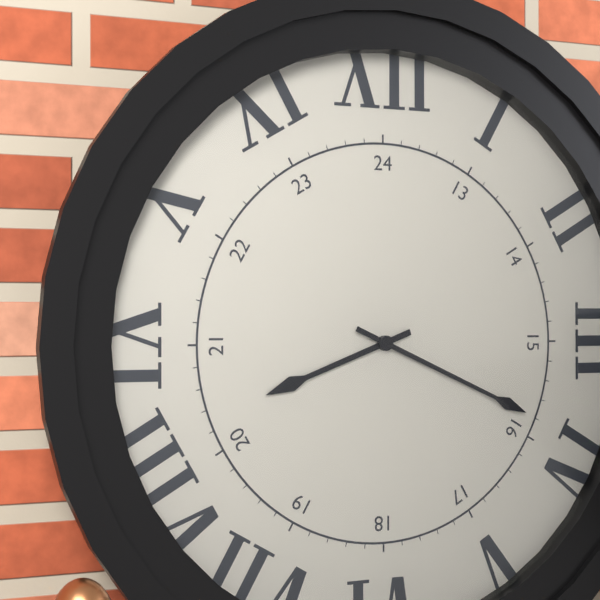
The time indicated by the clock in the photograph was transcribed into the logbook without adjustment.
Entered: 8:19
